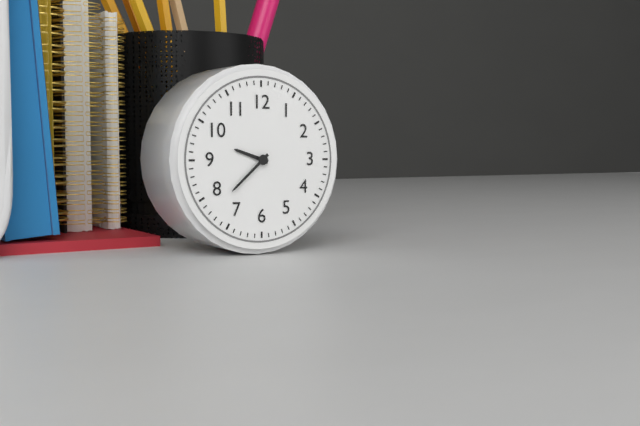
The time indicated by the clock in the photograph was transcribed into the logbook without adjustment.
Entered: 9:38
